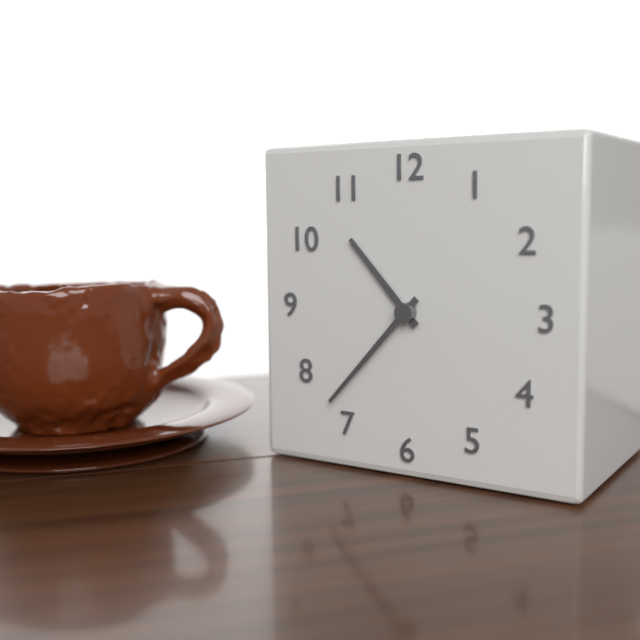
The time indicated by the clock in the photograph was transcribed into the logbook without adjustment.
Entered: 10:37
